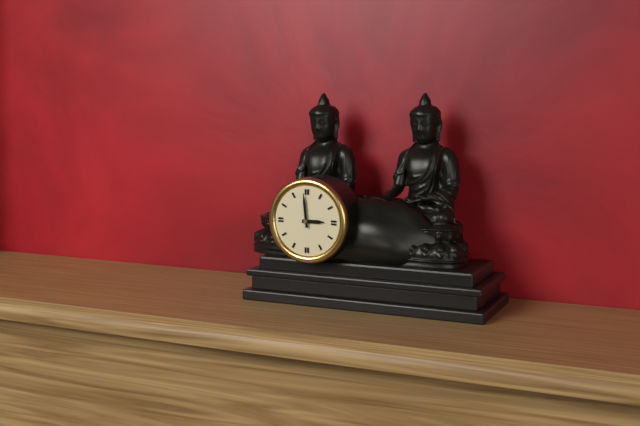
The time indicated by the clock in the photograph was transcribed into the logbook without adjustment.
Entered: 2:59
